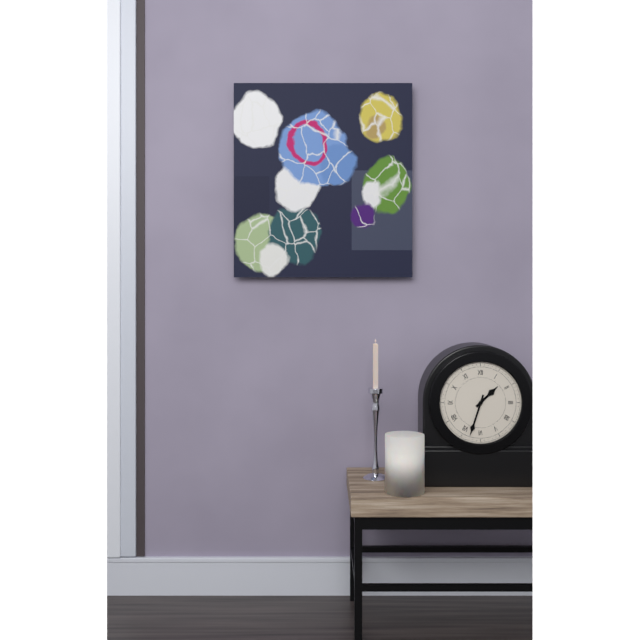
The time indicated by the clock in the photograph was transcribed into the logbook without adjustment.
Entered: 1:33
